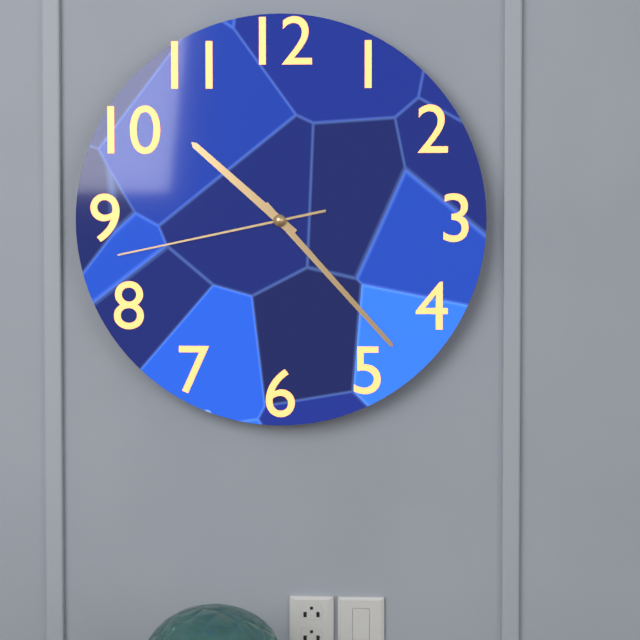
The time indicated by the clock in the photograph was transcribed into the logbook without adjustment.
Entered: 10:23:43
